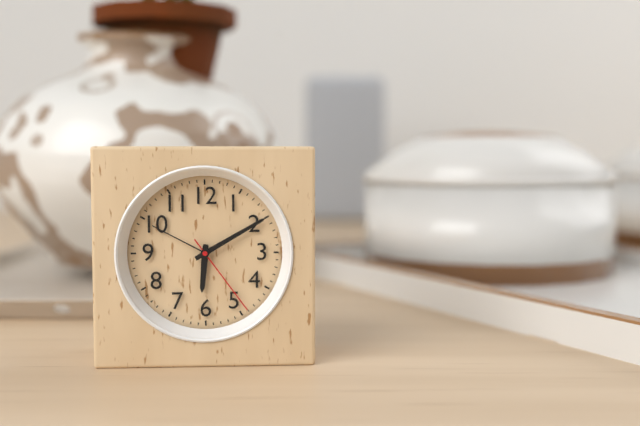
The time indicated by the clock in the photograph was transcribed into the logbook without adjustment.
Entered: 6:10:24
